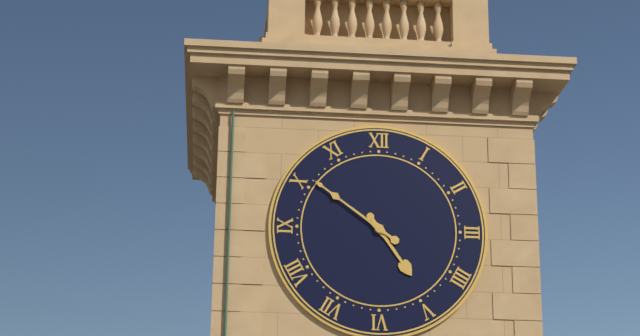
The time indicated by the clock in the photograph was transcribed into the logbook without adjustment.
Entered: 4:51
